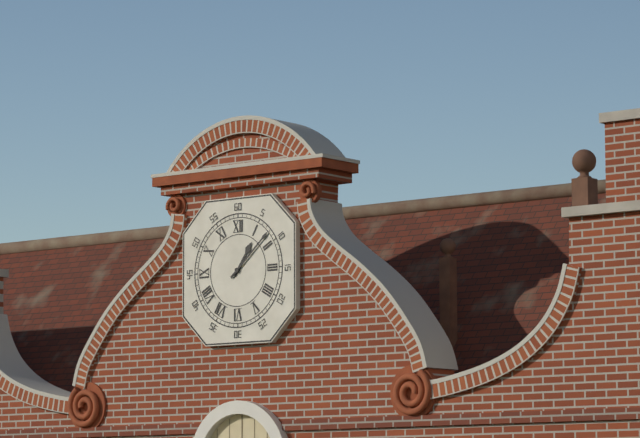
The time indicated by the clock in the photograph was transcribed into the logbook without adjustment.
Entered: 1:08
